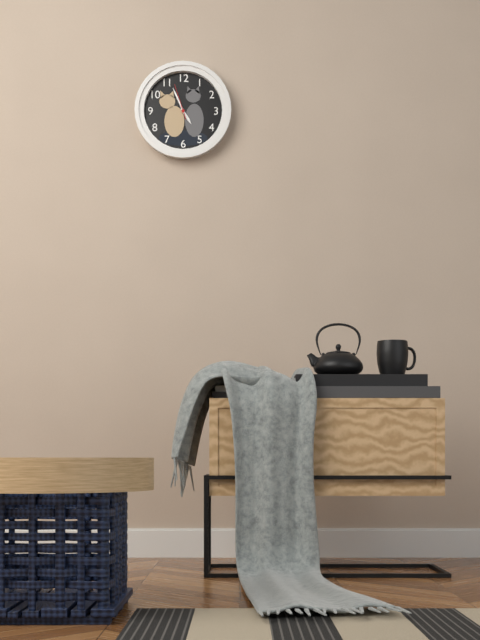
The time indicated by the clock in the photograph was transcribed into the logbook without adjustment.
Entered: 4:56
